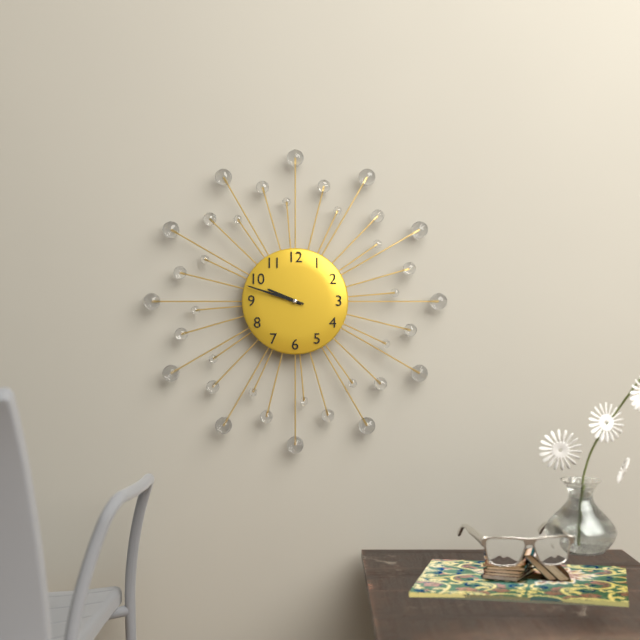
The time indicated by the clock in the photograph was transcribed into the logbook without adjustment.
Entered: 9:48
